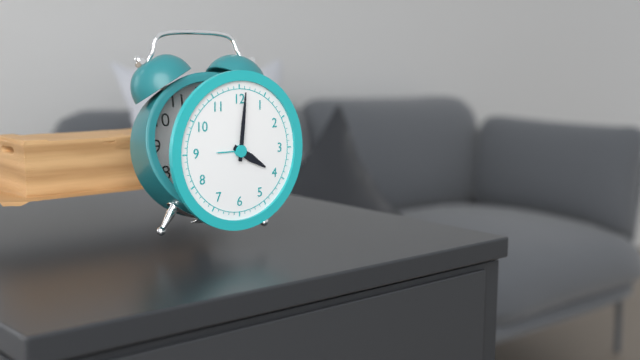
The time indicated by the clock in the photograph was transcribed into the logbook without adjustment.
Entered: 4:01
